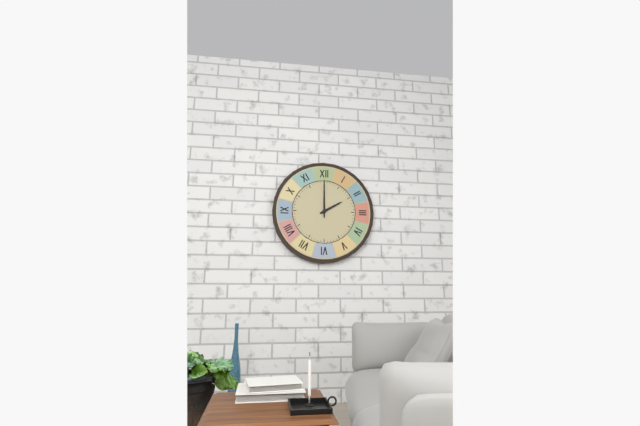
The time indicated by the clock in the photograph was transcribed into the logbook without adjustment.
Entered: 2:00
